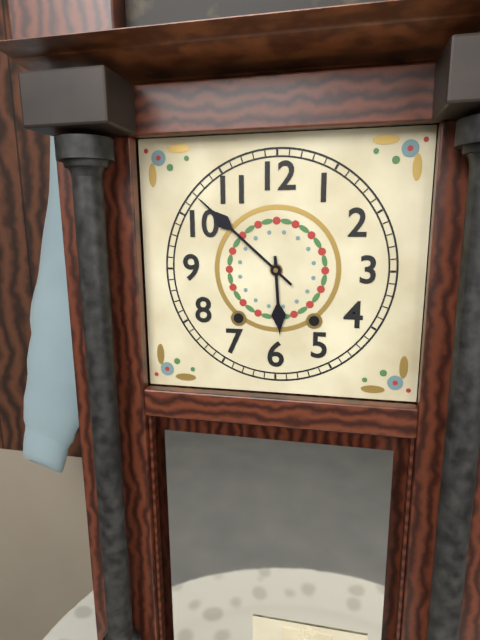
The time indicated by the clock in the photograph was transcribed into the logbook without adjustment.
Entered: 5:52
